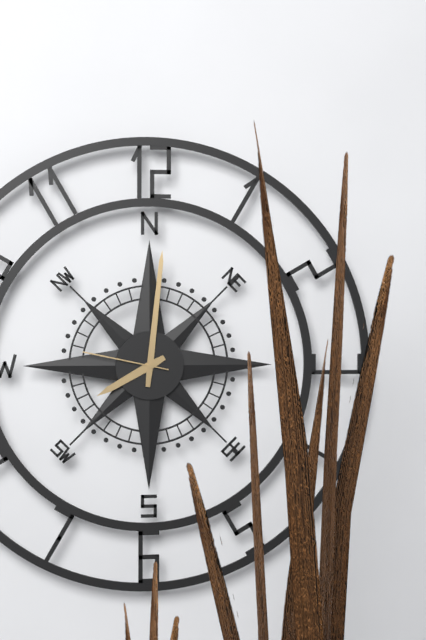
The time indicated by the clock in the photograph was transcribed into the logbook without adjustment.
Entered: 8:01:47
